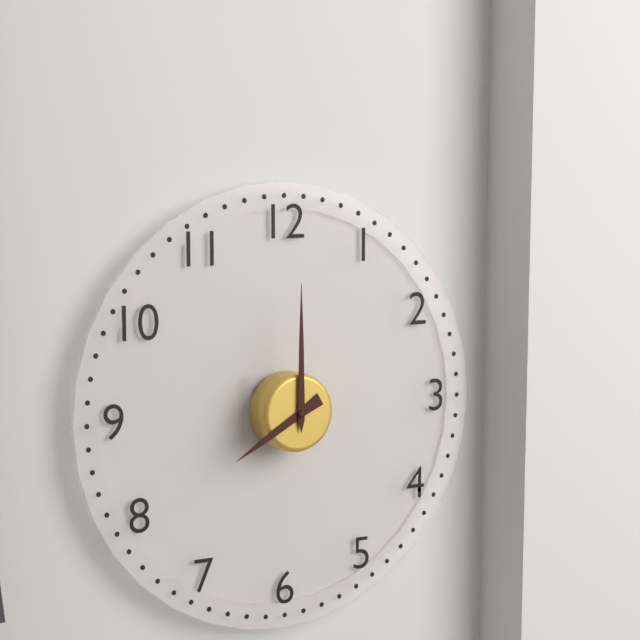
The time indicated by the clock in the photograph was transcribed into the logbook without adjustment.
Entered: 8:00
